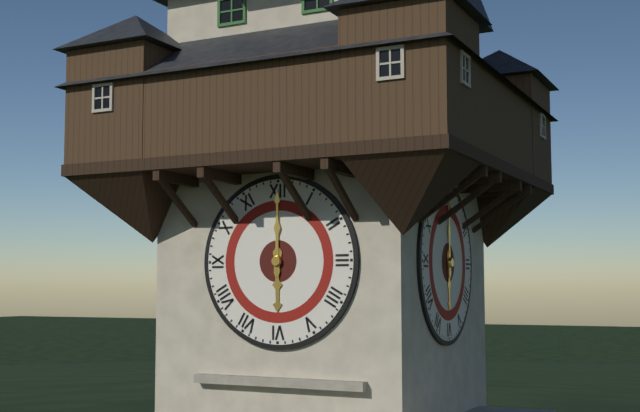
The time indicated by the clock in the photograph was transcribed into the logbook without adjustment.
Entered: 6:00
